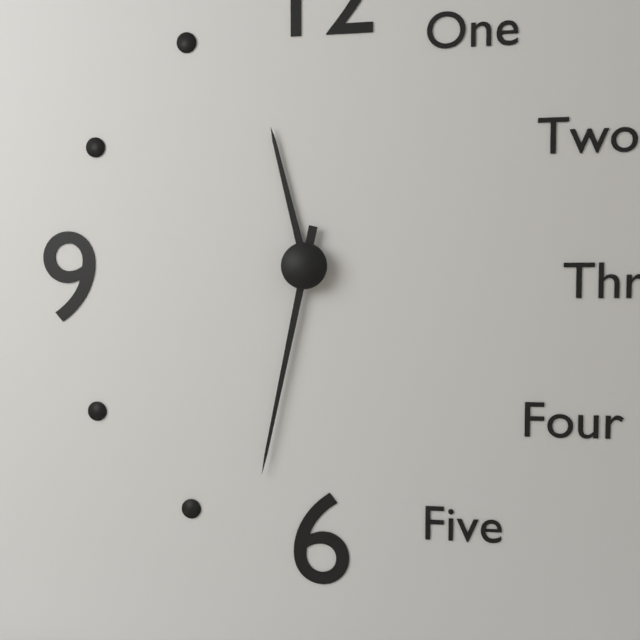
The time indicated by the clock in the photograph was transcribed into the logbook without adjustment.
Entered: 11:32
